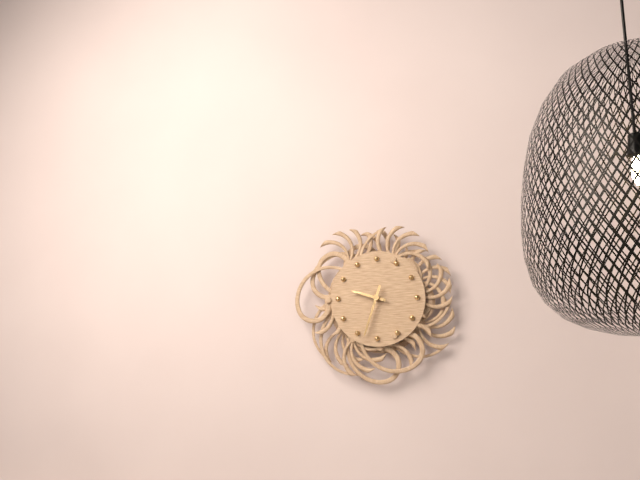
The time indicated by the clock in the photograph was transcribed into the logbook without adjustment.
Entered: 9:33
